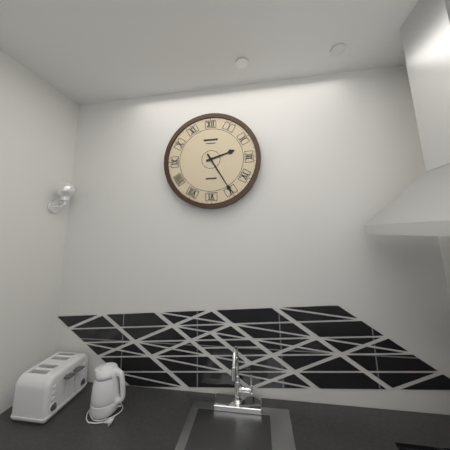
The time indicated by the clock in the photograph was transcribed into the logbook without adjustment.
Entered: 2:25
